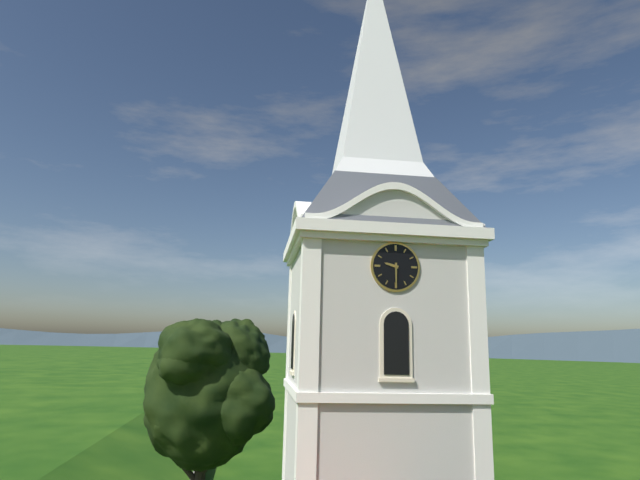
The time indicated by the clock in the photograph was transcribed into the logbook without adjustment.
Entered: 9:30
